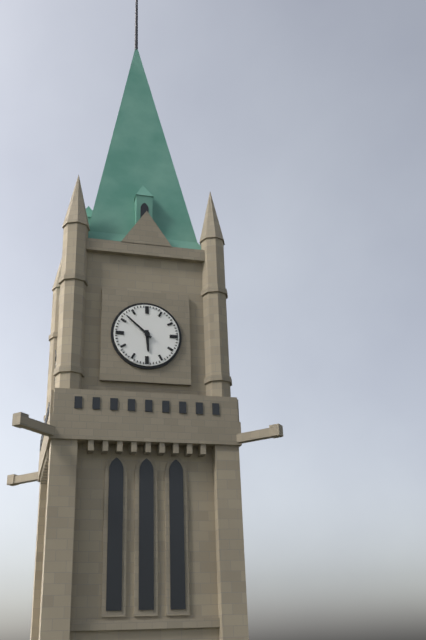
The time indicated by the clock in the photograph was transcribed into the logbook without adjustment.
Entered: 5:52
